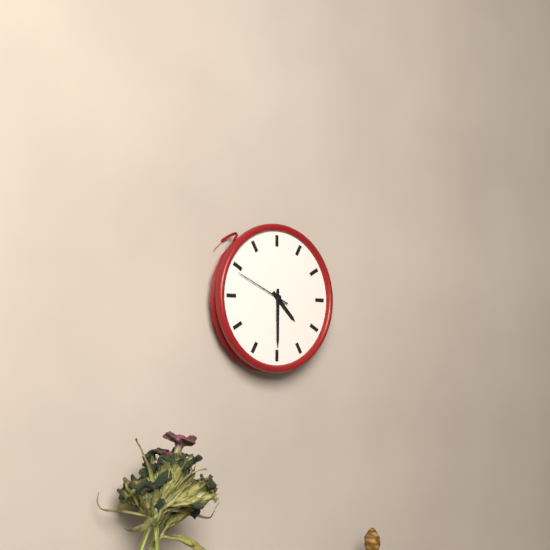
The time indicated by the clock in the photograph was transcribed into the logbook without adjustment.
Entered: 4:30:49
